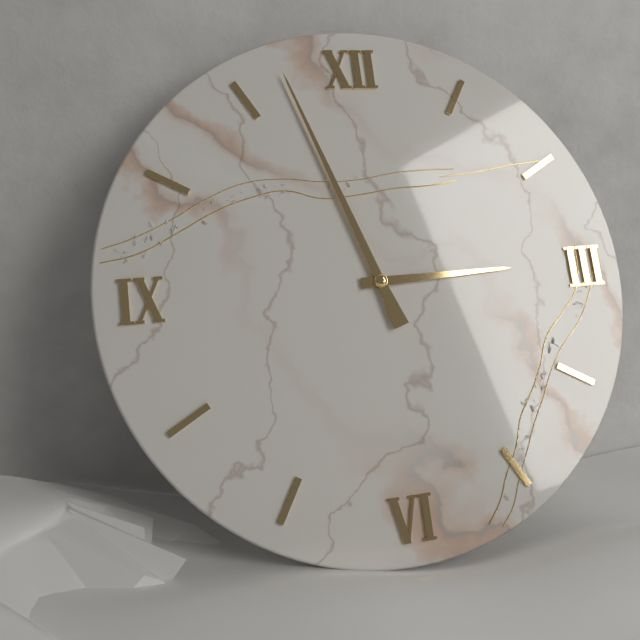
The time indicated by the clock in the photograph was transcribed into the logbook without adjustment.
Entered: 2:57
